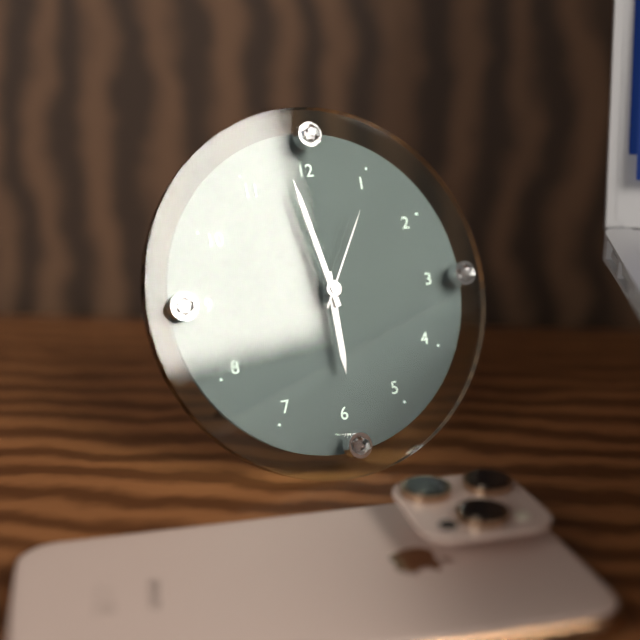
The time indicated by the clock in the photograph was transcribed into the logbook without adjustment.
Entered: 5:58:05
